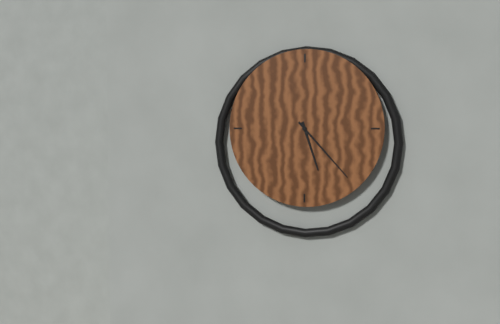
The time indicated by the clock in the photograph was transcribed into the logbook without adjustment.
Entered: 5:23
